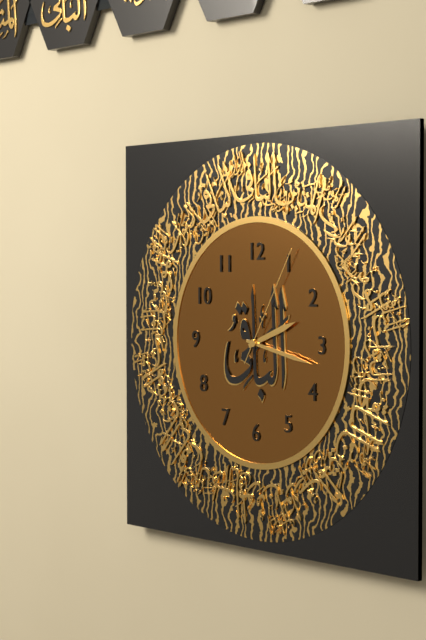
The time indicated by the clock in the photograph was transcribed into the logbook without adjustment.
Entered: 2:17:05
